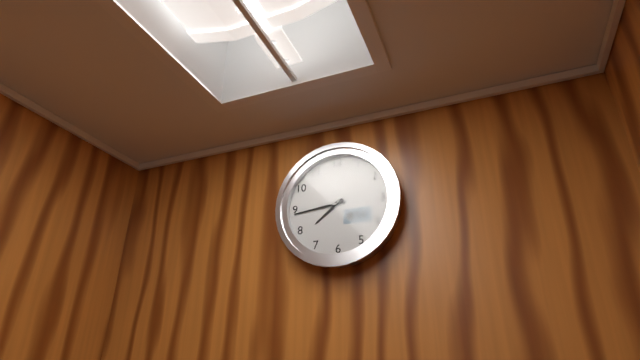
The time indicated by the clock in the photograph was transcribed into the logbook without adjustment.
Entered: 7:44
